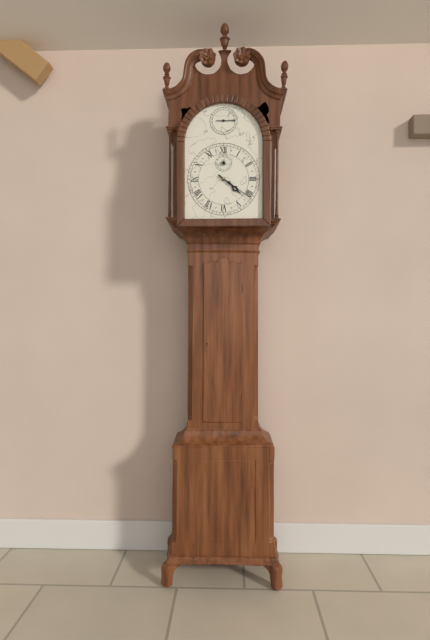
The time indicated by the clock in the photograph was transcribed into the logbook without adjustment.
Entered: 4:21
